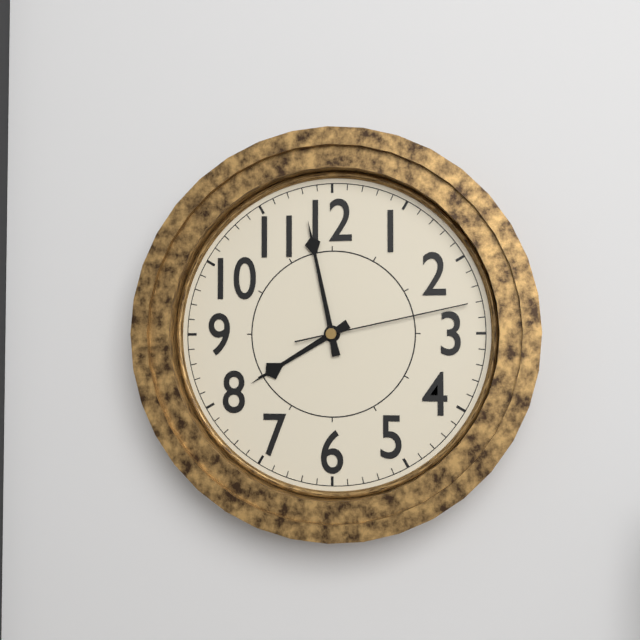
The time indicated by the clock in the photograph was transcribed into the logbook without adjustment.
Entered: 7:58:13
